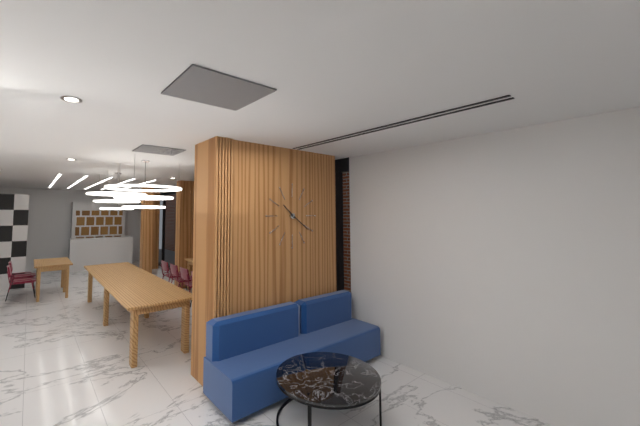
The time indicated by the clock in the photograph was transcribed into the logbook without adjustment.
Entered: 10:21
